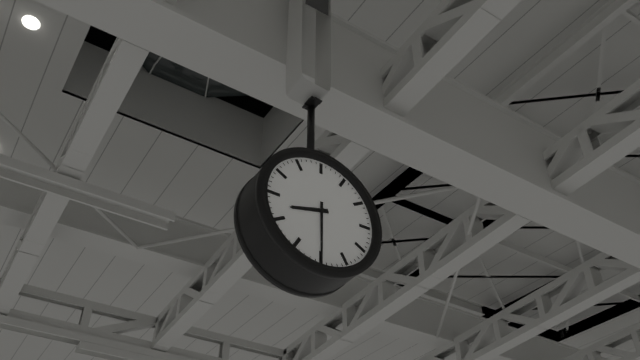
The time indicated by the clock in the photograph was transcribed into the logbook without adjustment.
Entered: 8:30
